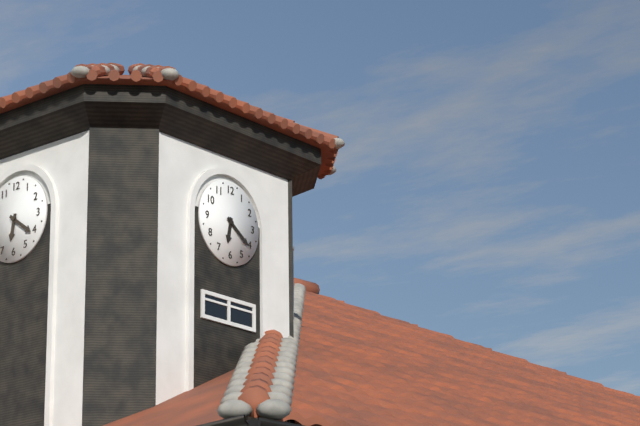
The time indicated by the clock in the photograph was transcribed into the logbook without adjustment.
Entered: 6:21
